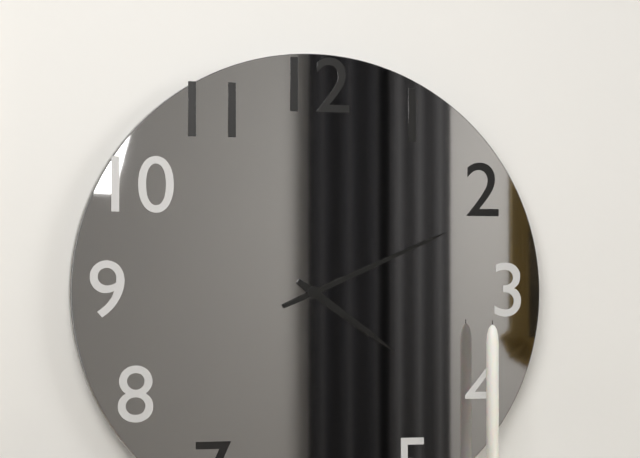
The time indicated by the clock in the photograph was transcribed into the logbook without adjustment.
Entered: 4:11
